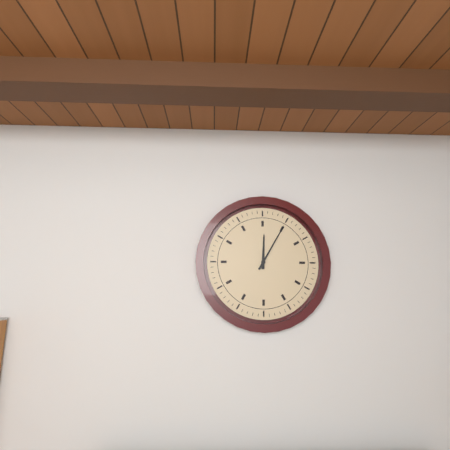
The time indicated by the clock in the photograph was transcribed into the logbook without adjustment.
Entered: 12:05
